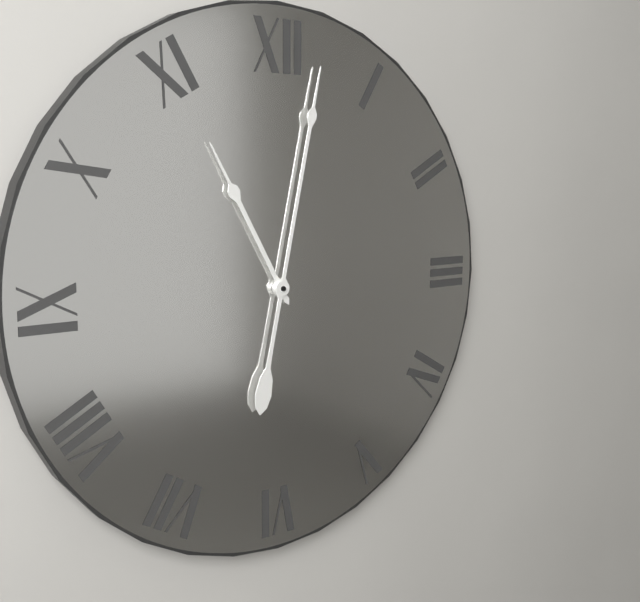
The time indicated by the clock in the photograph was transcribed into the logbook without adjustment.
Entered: 11:02
